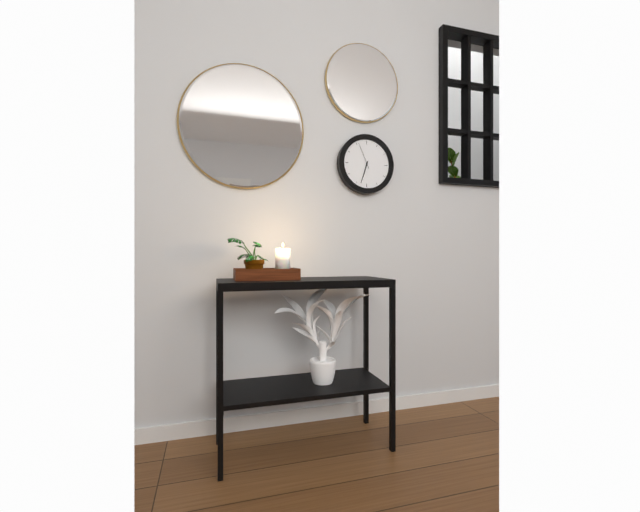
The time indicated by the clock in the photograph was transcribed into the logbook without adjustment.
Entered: 6:33
